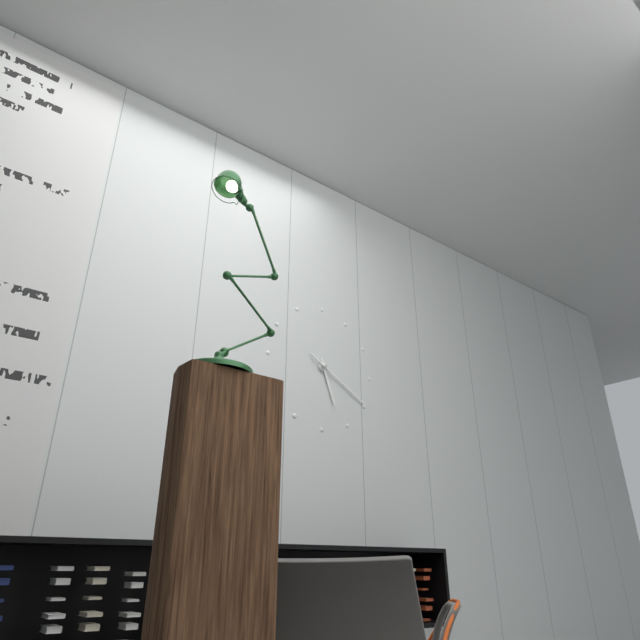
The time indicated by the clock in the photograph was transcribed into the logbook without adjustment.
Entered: 5:20
